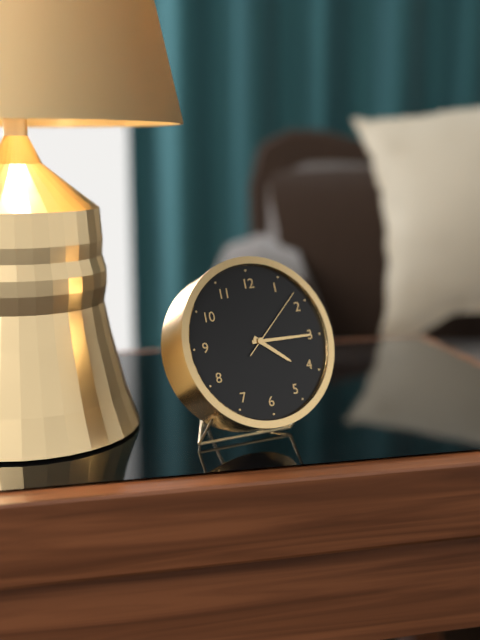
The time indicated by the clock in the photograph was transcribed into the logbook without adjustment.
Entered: 4:15:08
